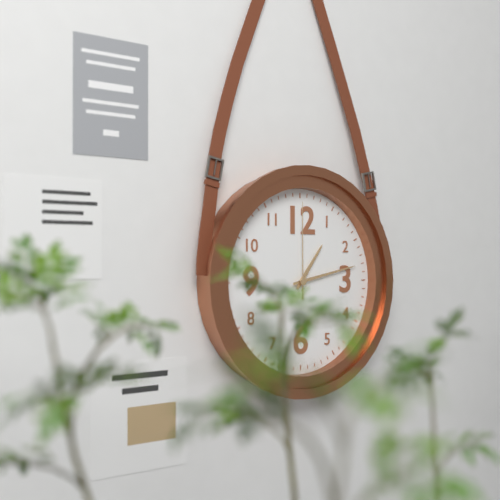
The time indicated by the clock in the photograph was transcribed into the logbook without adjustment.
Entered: 1:13:00
